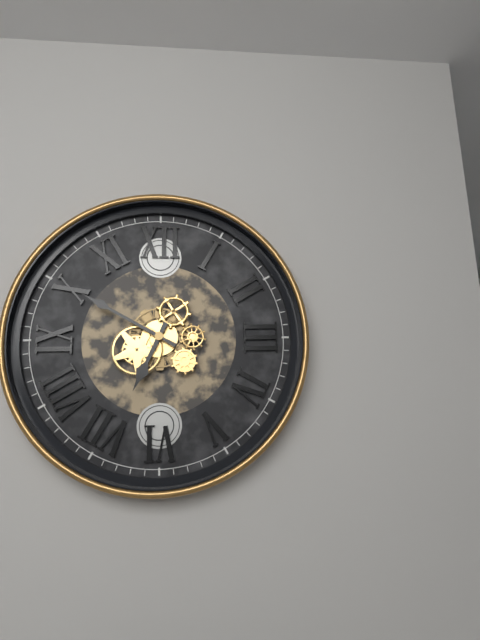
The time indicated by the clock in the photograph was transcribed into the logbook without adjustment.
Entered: 6:50
